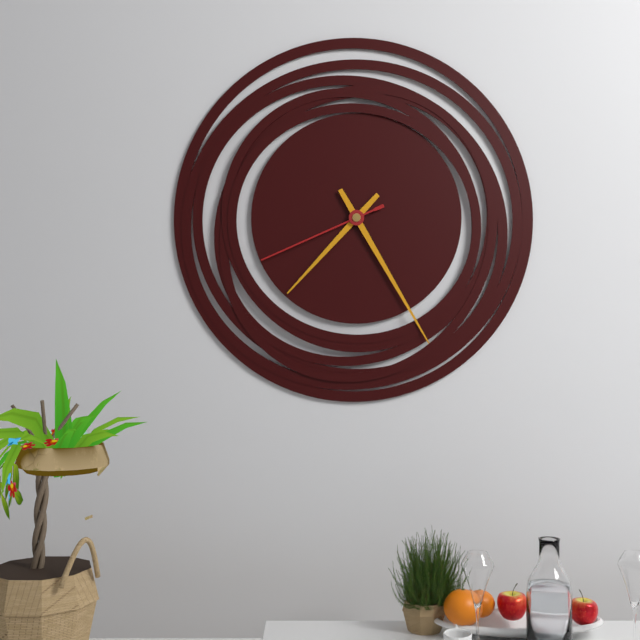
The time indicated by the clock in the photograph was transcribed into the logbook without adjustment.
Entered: 7:25:41
